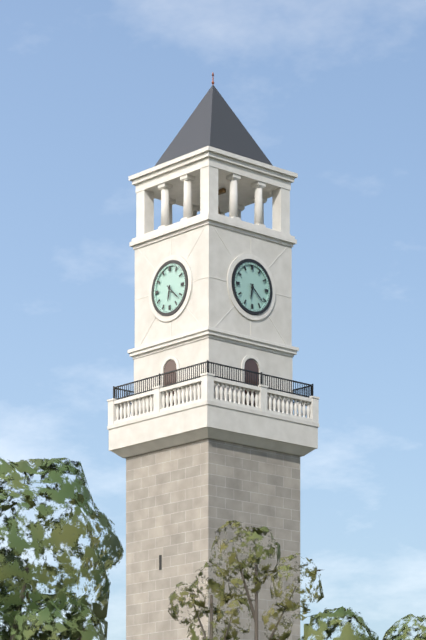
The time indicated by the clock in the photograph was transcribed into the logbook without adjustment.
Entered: 6:22
